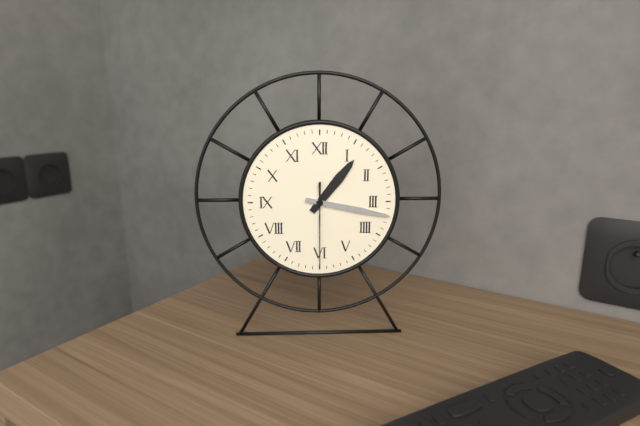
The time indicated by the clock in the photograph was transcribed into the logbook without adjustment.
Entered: 1:17:30
